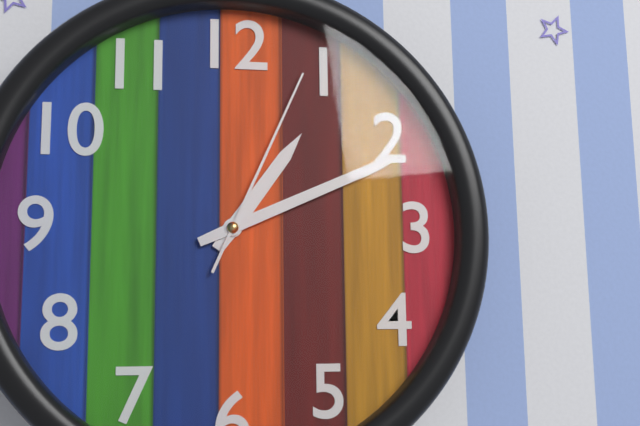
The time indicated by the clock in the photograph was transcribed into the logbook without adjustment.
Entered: 1:11:04
